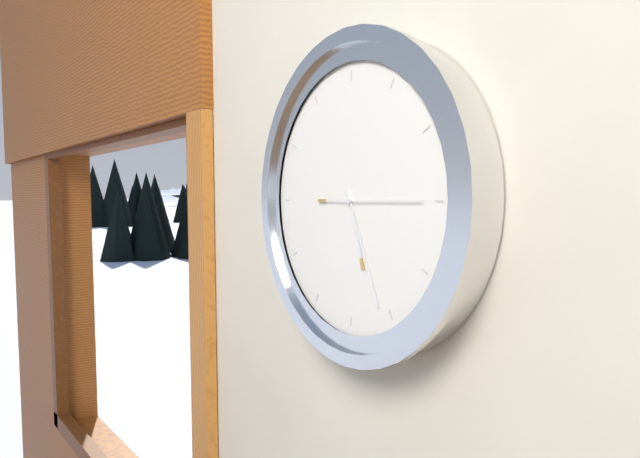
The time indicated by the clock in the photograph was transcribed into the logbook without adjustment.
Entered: 5:26:15
